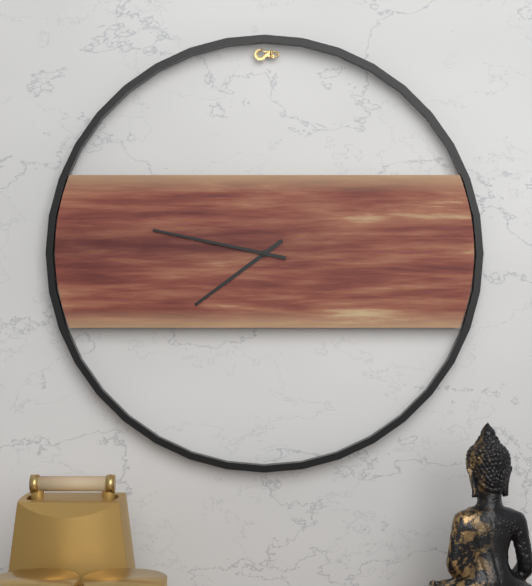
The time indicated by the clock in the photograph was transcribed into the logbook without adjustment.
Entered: 7:47
